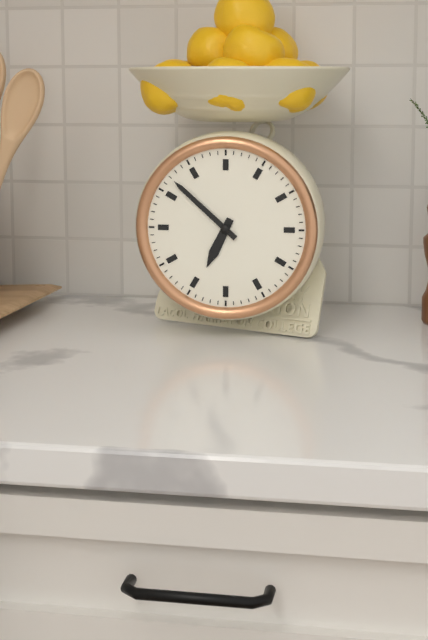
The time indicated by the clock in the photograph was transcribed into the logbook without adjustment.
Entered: 6:52
